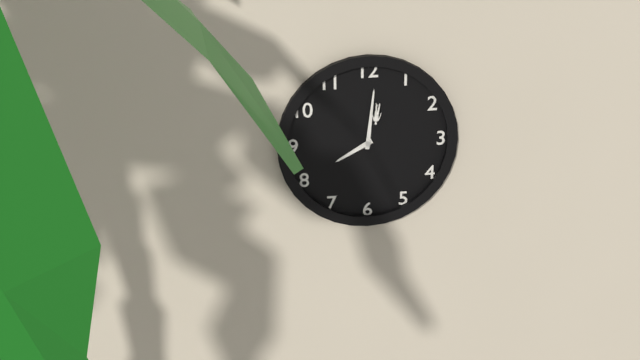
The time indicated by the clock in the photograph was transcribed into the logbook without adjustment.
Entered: 8:01
